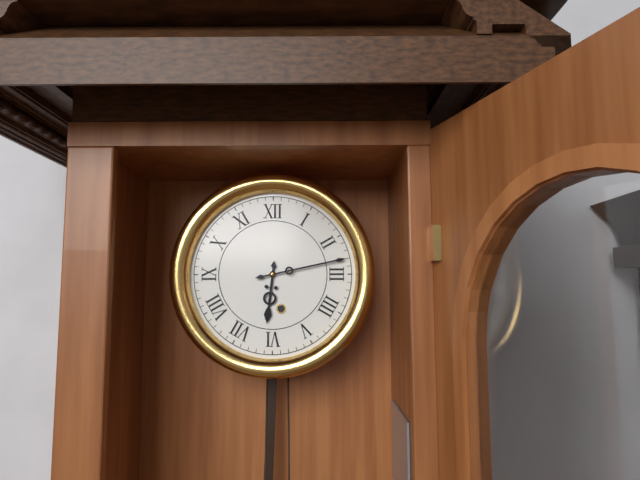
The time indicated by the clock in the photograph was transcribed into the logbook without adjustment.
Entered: 6:13
